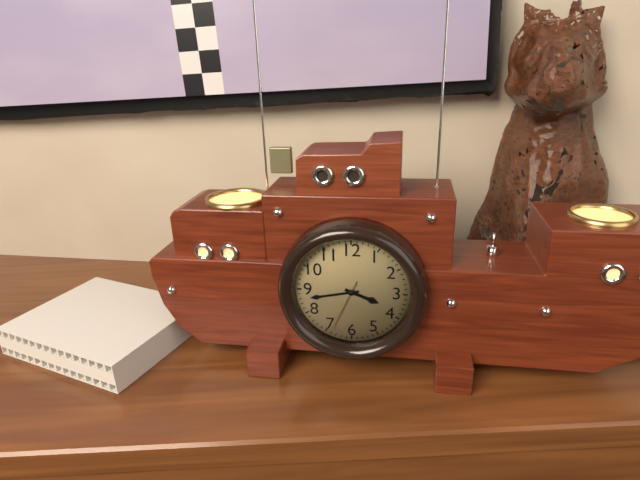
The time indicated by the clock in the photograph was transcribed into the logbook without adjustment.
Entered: 3:43:34
